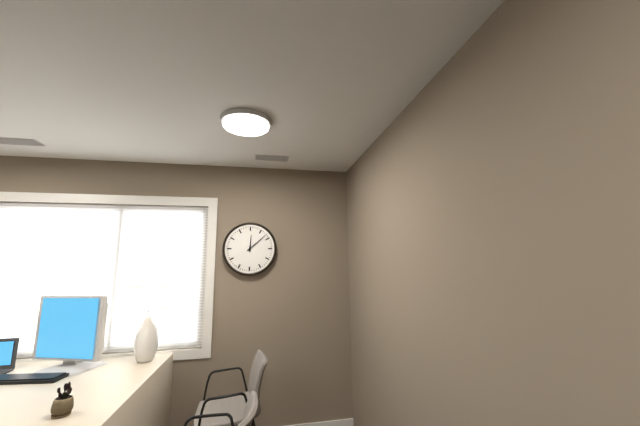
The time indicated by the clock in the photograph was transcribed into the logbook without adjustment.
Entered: 12:08
